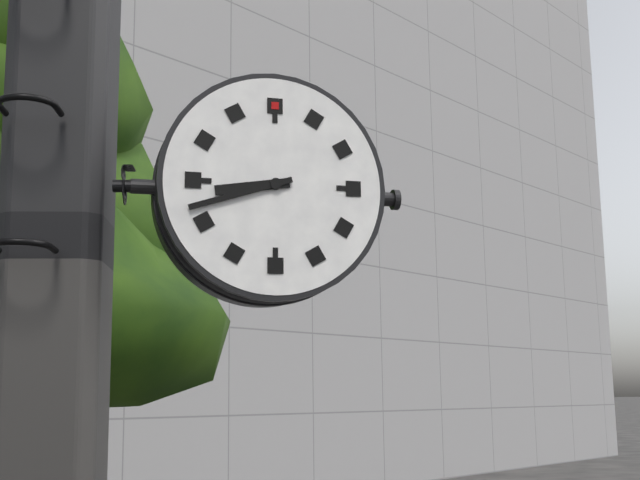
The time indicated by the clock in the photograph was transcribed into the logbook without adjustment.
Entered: 8:42
